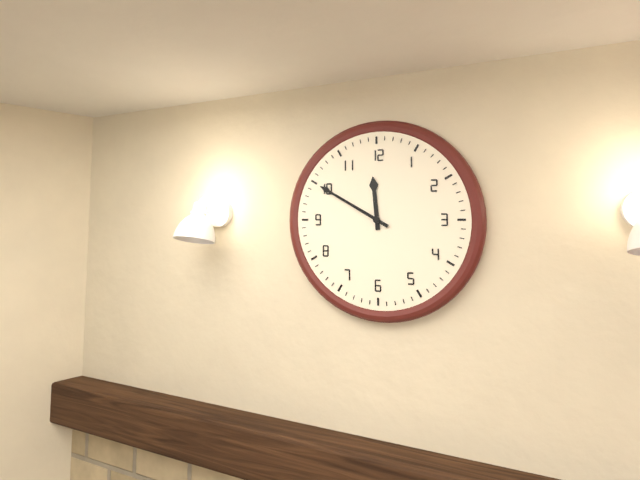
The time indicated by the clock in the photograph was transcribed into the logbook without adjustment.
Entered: 11:50
